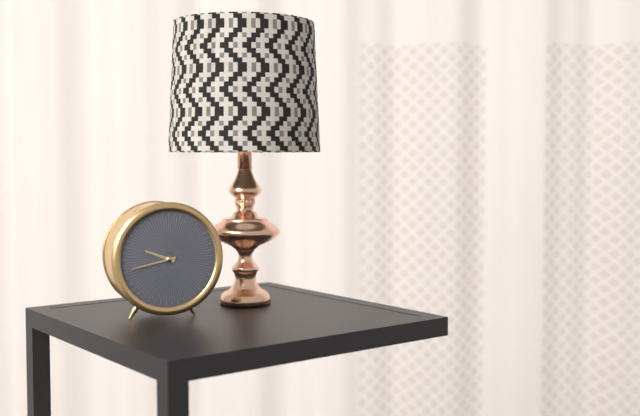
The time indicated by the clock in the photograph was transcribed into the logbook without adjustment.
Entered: 9:43
